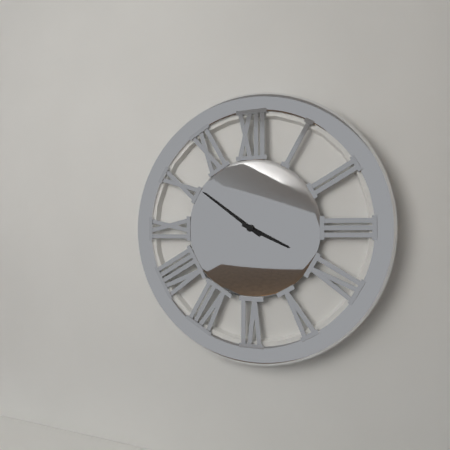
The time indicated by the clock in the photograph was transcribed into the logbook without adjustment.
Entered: 3:51
